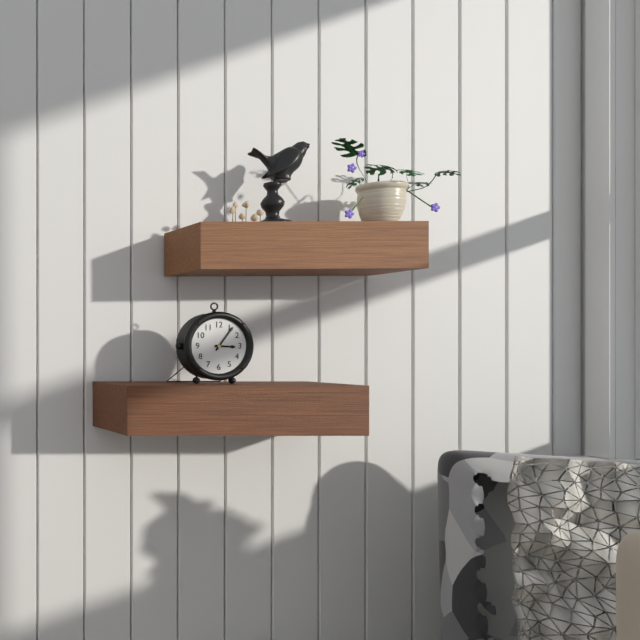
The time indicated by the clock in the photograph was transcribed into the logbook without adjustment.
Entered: 3:06
